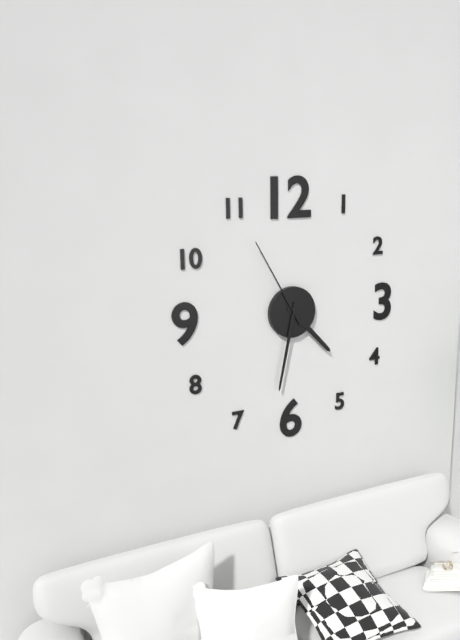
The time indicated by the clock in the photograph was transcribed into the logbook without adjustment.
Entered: 4:32:55
